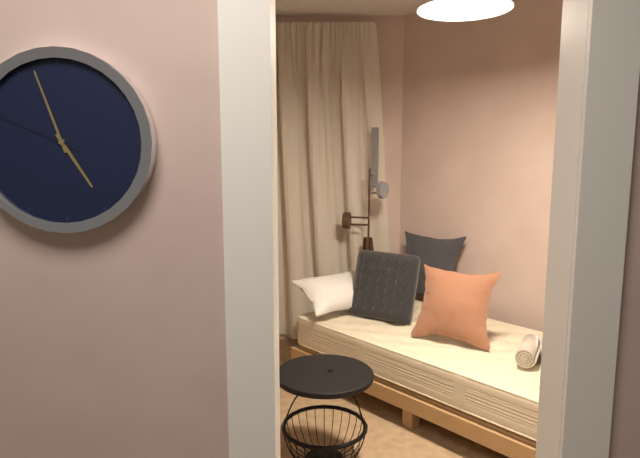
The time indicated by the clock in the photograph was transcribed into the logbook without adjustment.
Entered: 4:57
